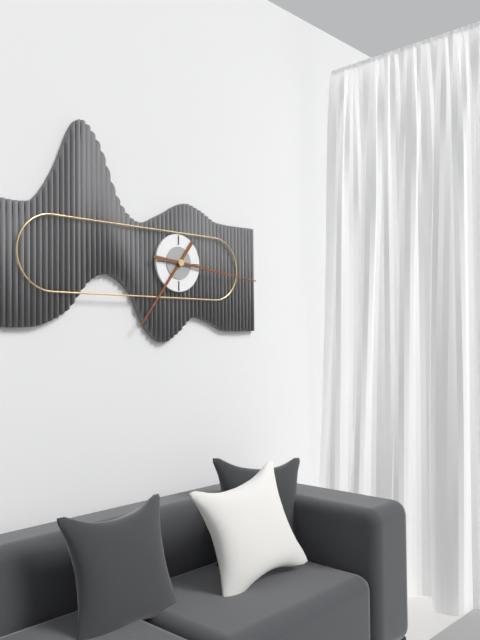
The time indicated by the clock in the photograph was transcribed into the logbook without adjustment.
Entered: 7:16
